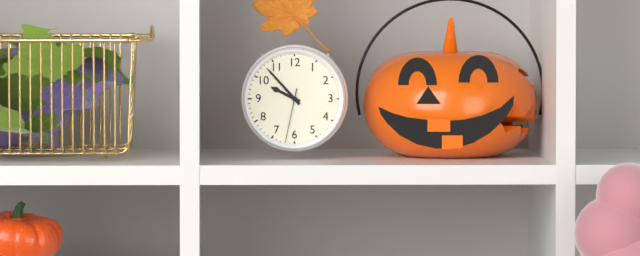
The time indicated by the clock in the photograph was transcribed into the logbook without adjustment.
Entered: 9:53:32
